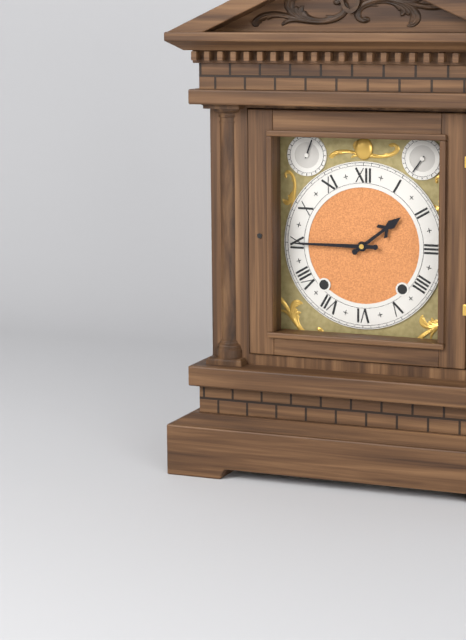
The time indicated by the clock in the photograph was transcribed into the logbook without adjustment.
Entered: 1:45
